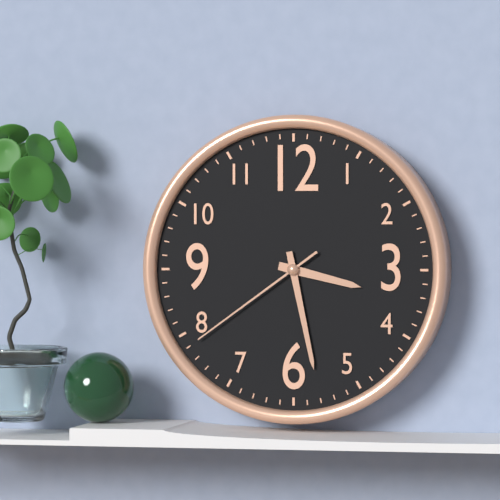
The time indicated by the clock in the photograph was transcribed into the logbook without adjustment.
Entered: 3:28:39
